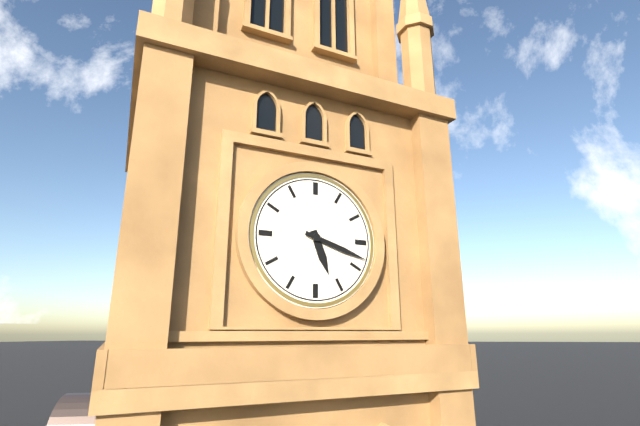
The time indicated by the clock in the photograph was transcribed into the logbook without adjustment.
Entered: 5:18
